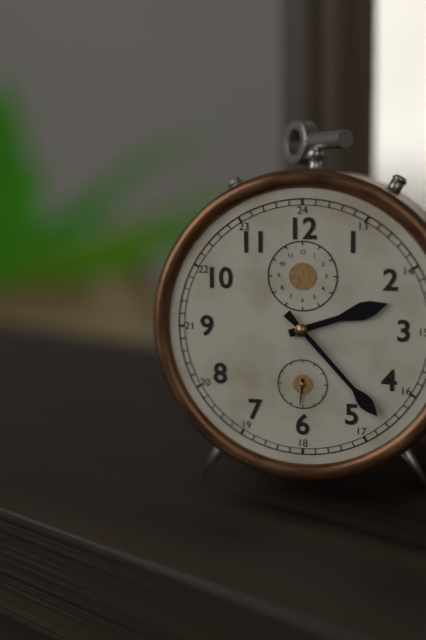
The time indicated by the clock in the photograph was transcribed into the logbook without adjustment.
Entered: 2:23
